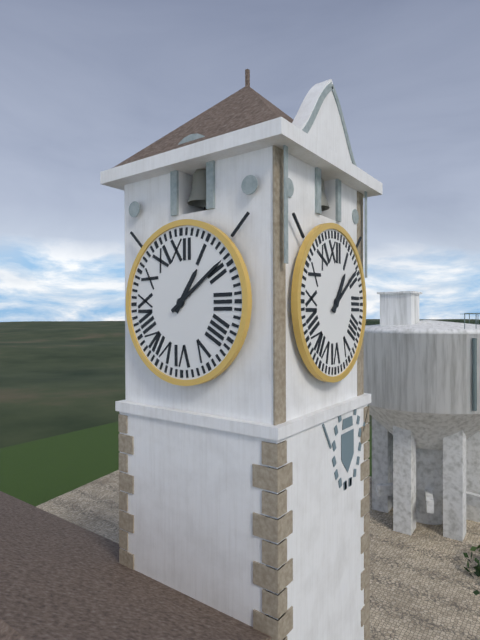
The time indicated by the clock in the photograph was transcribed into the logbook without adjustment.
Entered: 1:09
